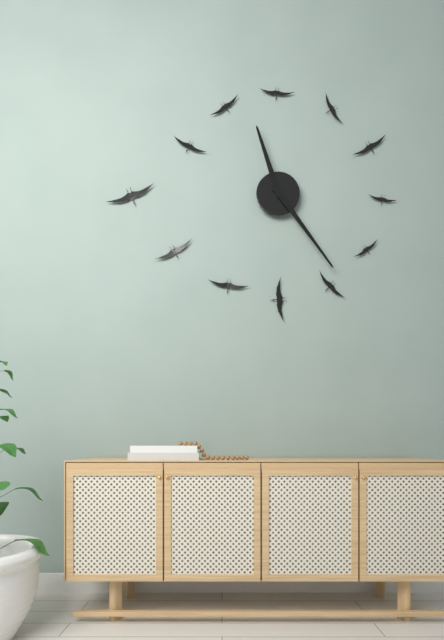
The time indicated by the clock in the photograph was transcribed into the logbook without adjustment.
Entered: 11:24
